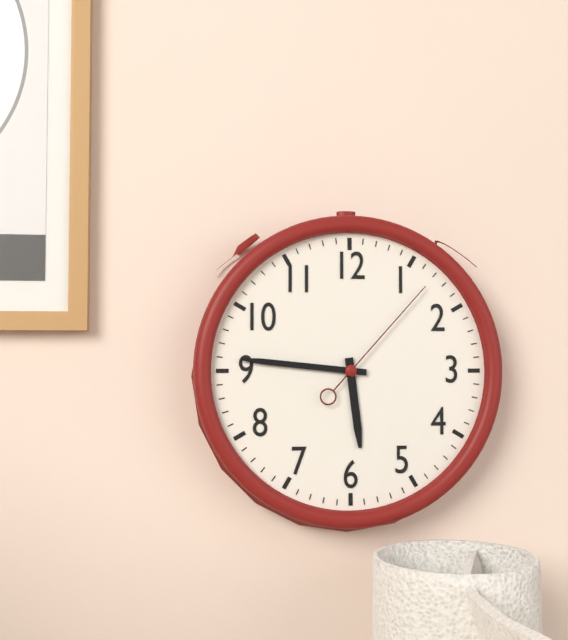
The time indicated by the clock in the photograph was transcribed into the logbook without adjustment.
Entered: 5:46:07
